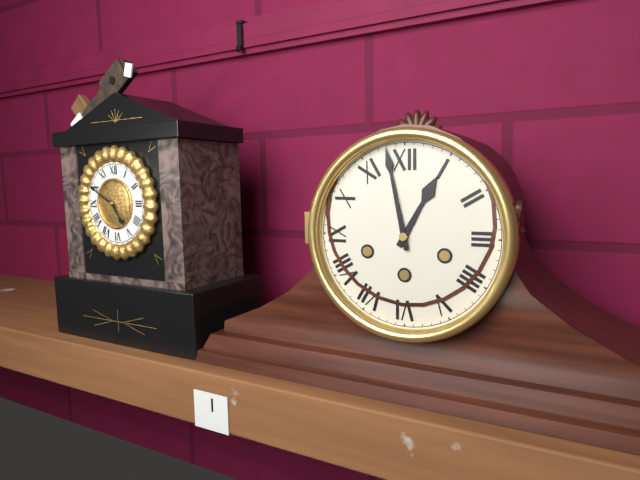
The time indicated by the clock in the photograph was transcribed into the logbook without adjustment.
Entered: 12:58
